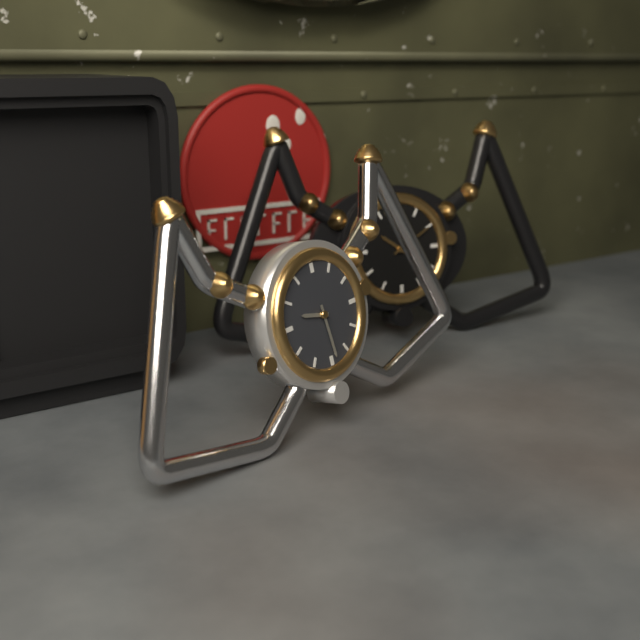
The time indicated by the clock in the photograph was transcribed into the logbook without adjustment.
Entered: 9:29
